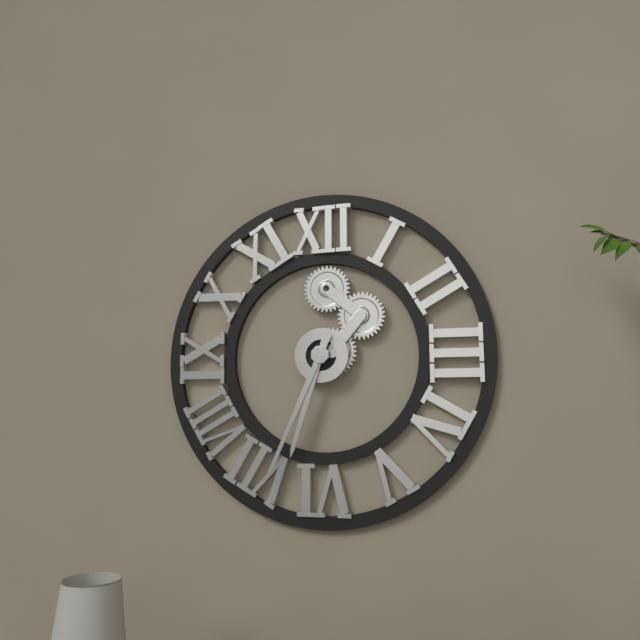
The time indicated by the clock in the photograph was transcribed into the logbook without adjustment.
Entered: 6:34
